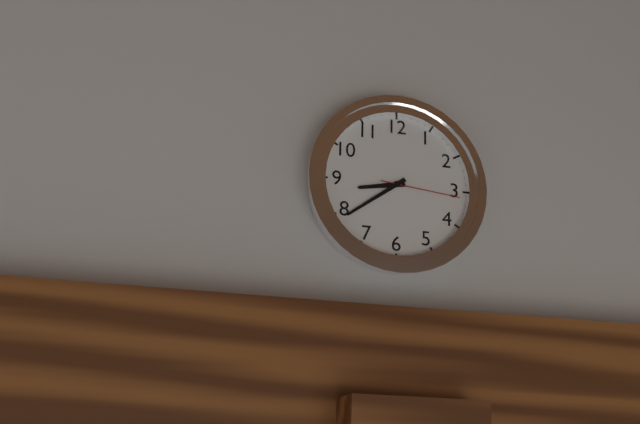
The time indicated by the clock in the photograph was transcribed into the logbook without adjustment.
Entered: 8:39:16
